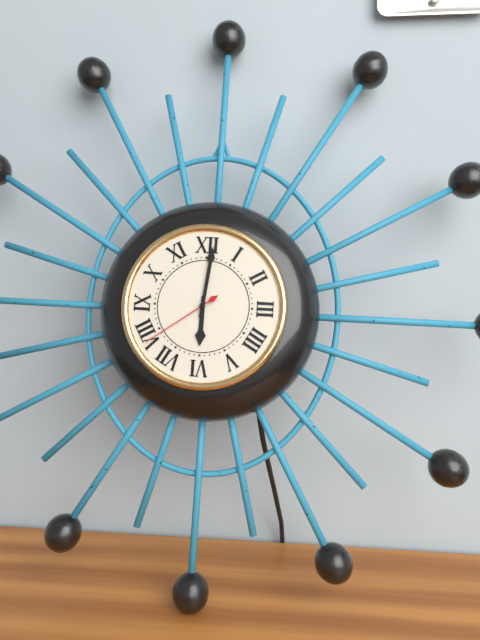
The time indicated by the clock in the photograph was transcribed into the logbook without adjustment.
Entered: 6:01:39
